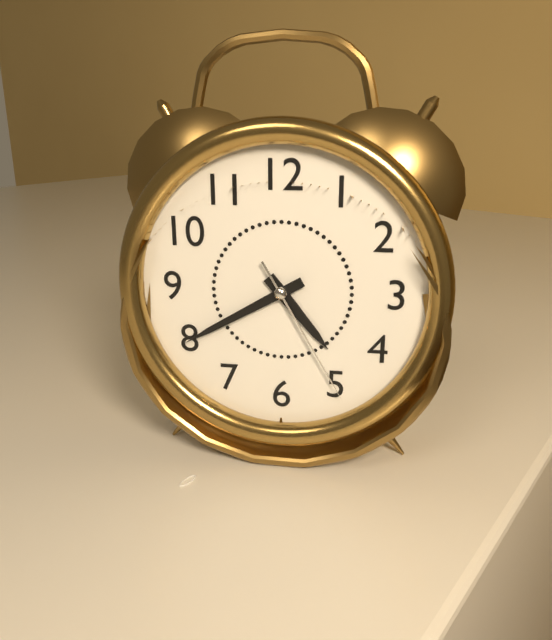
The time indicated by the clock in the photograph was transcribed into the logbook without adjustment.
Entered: 4:40:25
